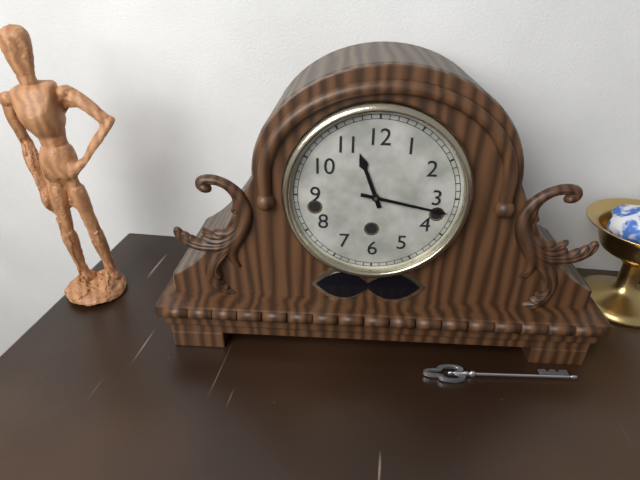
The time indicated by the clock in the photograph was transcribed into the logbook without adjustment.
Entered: 11:17
